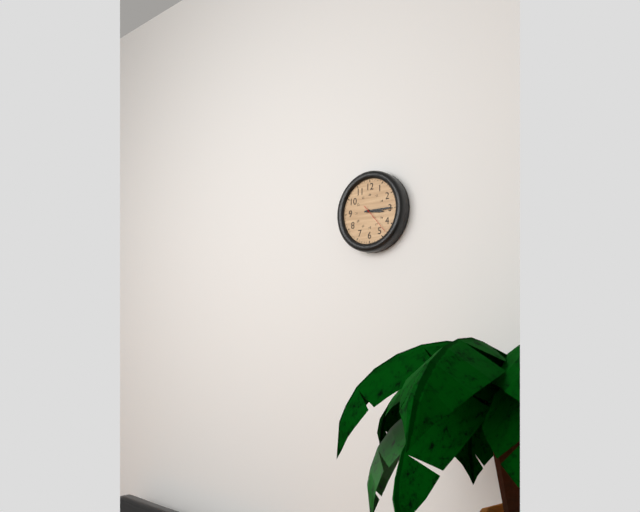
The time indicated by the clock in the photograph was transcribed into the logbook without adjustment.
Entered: 3:15
